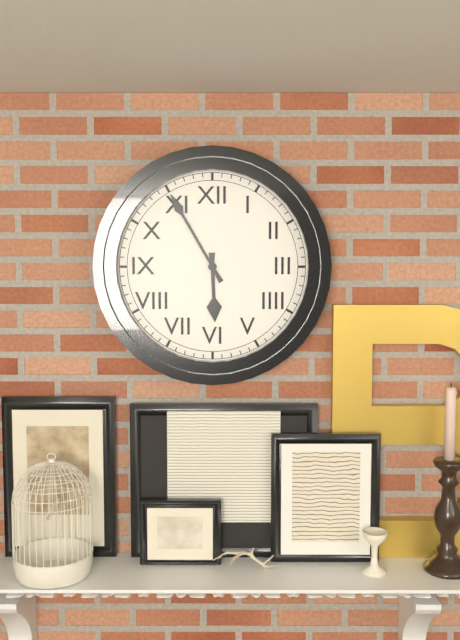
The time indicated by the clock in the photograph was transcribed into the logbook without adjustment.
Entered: 5:55
